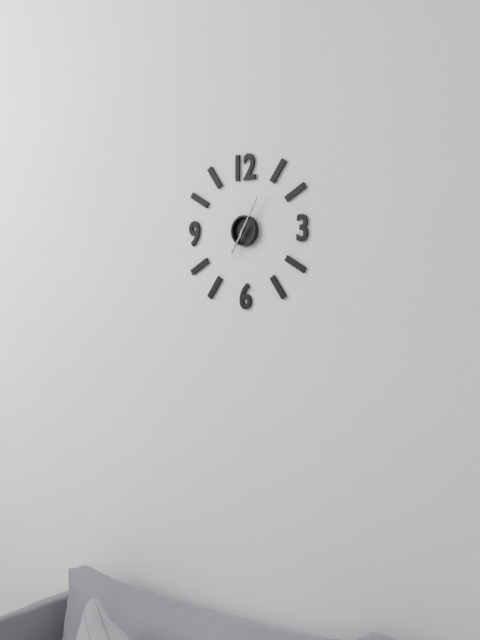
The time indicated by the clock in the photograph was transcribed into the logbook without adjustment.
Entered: 7:05
